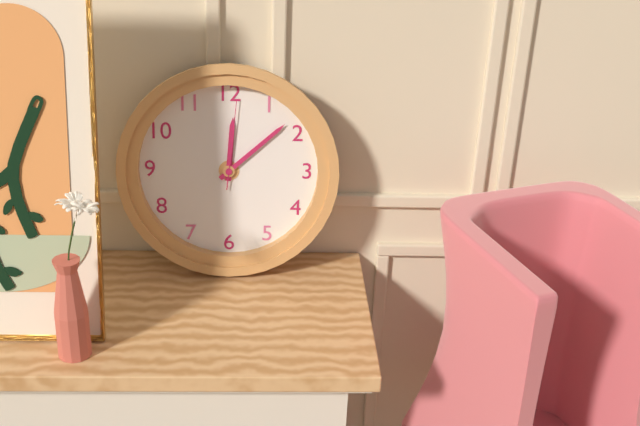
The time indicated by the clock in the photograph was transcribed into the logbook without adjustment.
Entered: 12:08:01
